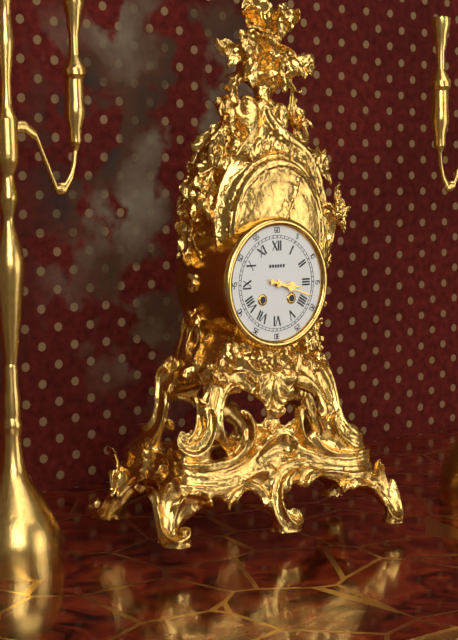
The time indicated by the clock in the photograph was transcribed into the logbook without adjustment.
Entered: 3:18
